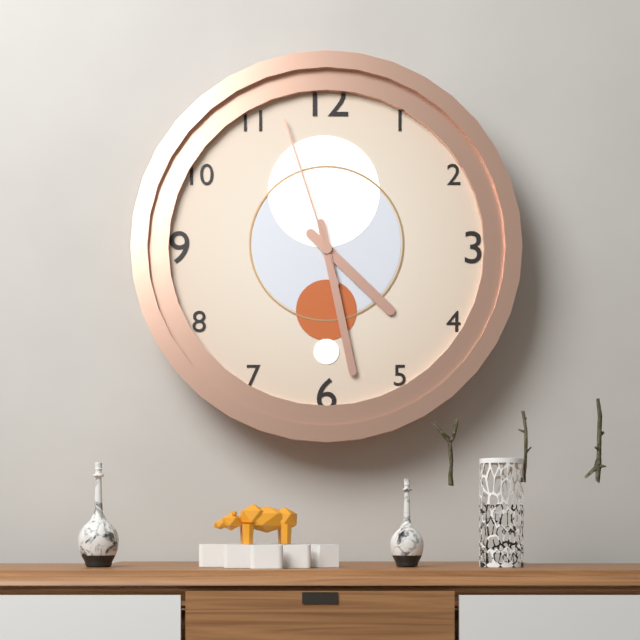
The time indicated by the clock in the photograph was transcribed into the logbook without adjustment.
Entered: 4:28:57
